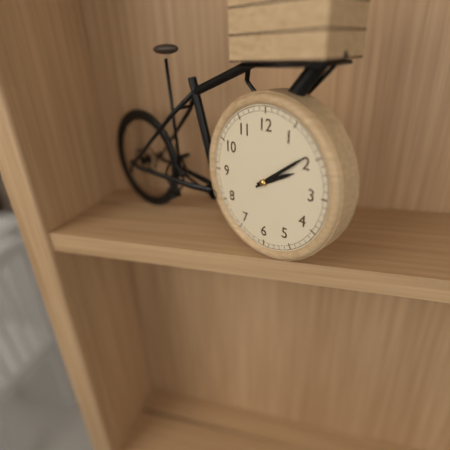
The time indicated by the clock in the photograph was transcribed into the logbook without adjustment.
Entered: 2:09
